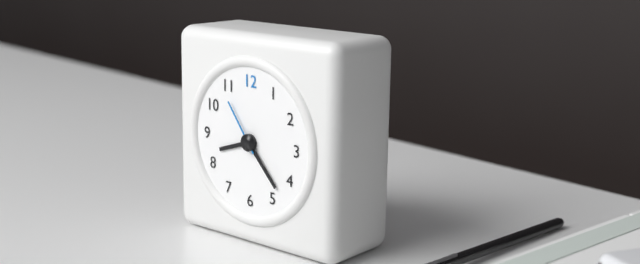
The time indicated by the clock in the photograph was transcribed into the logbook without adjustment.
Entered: 8:23:54
